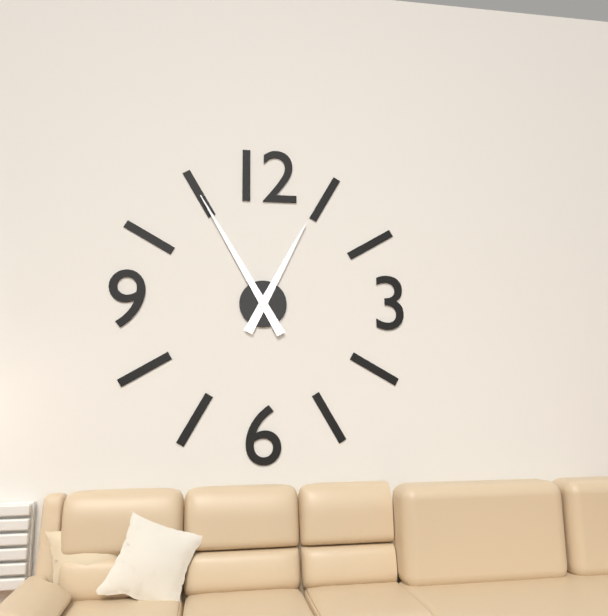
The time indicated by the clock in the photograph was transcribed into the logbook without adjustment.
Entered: 12:55
